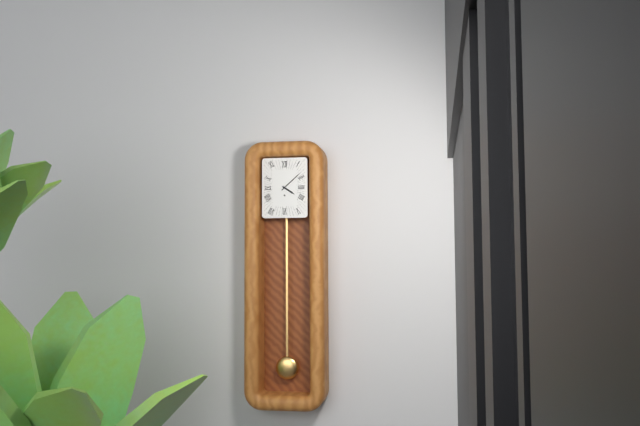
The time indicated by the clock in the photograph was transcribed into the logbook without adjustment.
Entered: 4:08
